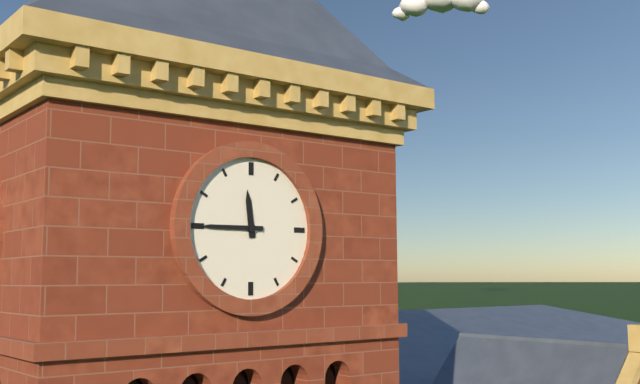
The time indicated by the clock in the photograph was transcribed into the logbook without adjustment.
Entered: 11:45
